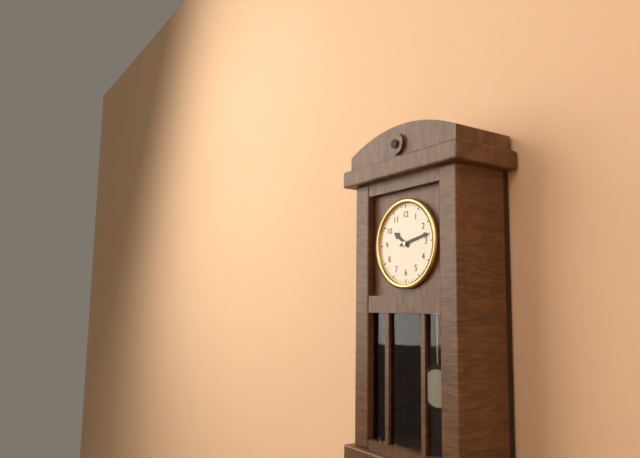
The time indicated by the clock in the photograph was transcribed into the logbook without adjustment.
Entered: 10:13
